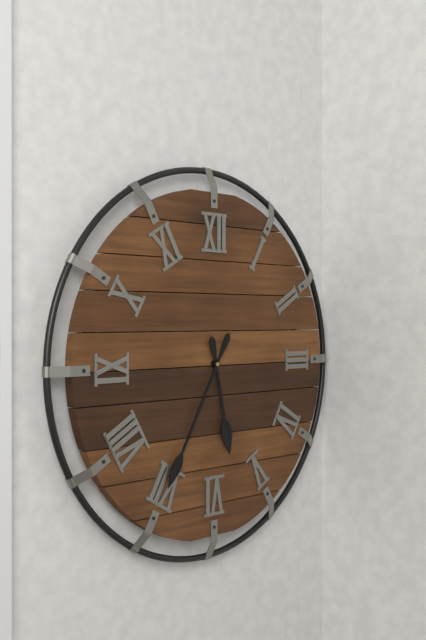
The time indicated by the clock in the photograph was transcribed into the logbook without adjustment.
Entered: 5:35
